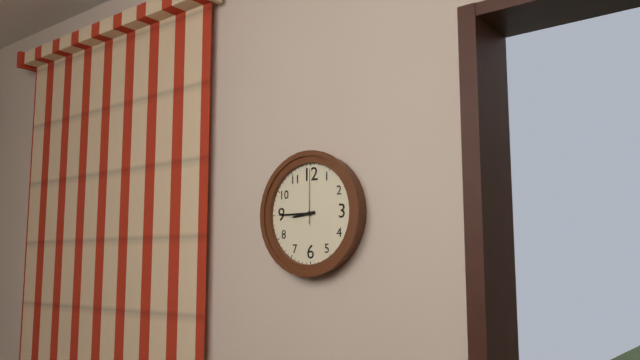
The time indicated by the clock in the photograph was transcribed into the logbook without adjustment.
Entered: 8:45:00
